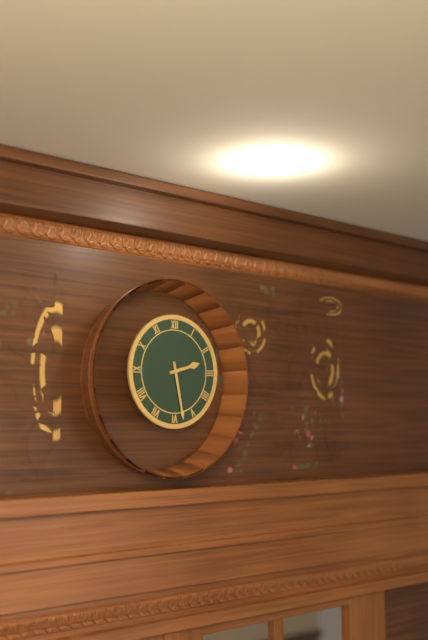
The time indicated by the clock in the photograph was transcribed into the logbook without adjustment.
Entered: 2:28
